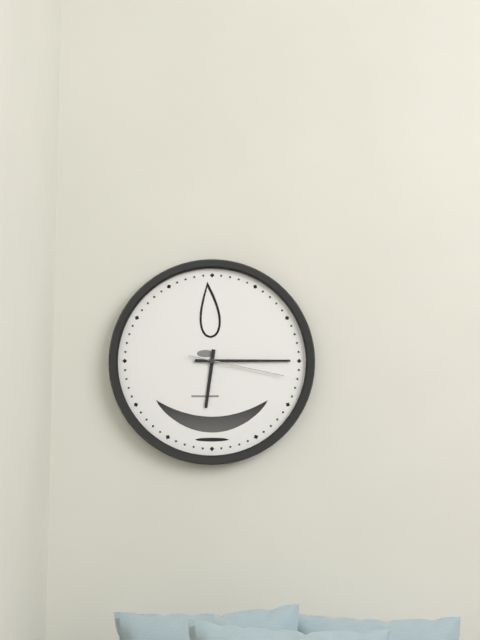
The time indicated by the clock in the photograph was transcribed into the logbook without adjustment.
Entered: 6:15:17
